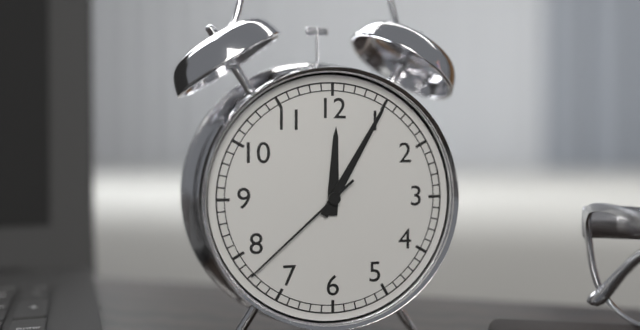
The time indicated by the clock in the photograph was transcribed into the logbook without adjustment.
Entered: 12:05:38
